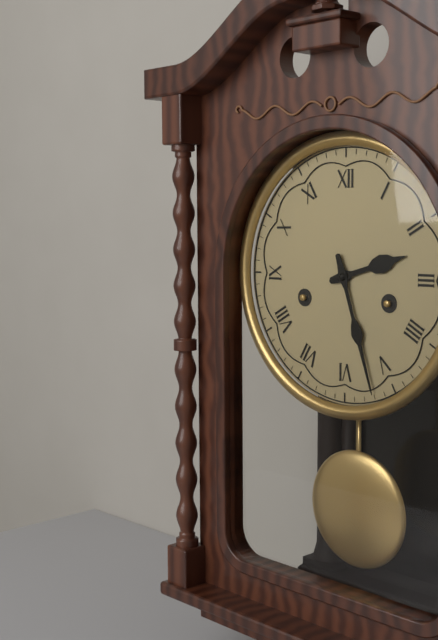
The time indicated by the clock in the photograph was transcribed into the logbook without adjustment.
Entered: 2:27
